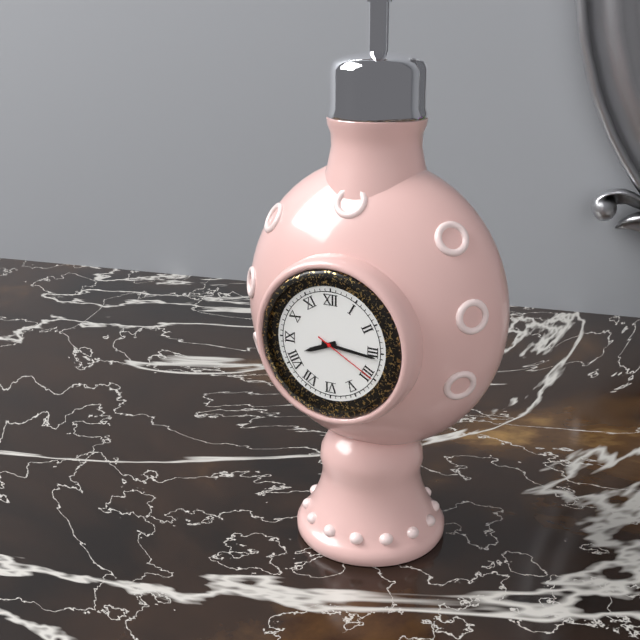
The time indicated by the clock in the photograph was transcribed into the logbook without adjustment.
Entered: 8:16:20
